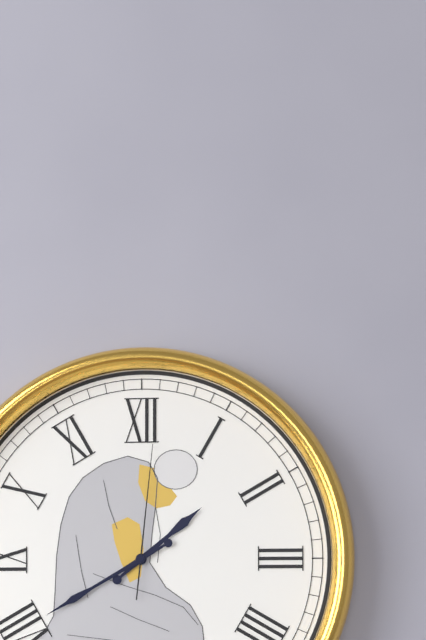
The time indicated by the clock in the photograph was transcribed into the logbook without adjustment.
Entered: 1:40:01
